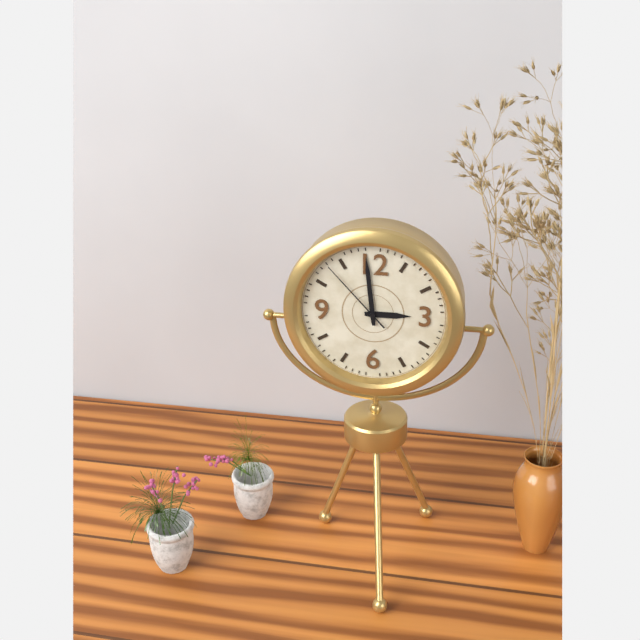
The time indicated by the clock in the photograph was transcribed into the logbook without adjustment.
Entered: 2:59:53
